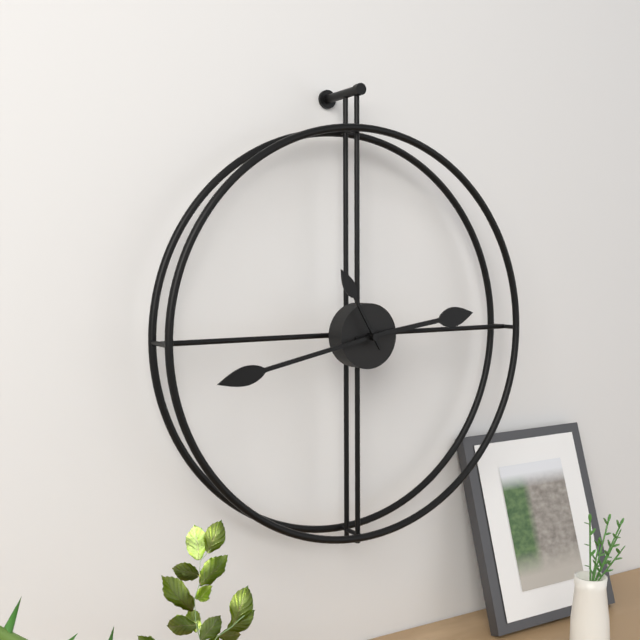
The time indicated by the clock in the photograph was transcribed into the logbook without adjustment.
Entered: 2:43:55
